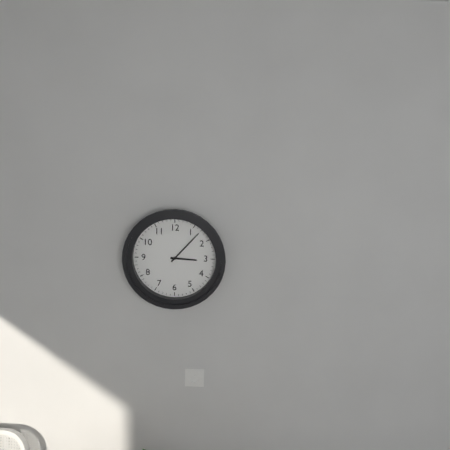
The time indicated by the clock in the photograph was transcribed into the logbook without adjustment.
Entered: 3:07
